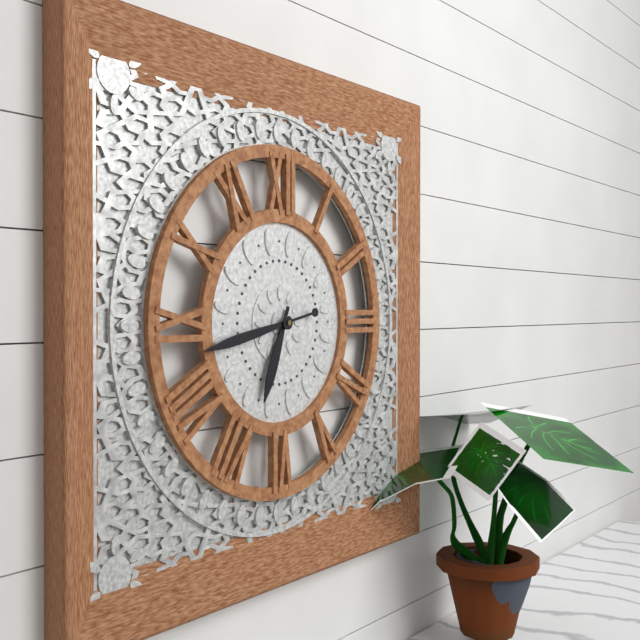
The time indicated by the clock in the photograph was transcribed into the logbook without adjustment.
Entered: 6:43
